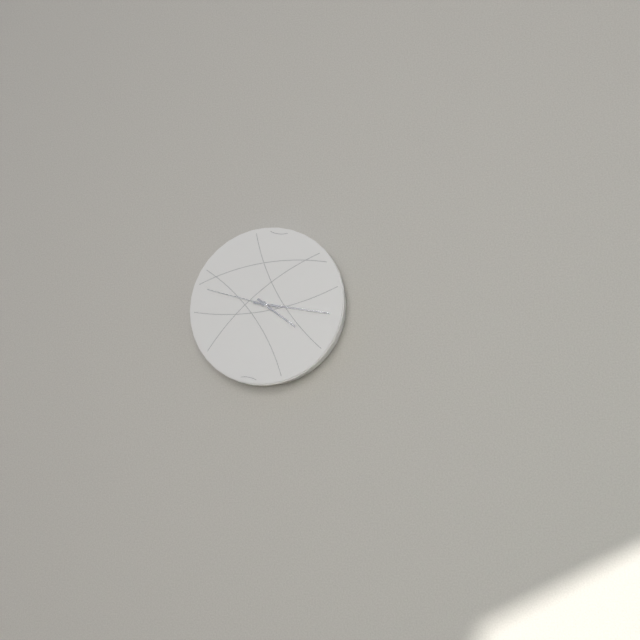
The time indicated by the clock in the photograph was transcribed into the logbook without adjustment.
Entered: 4:17:48
